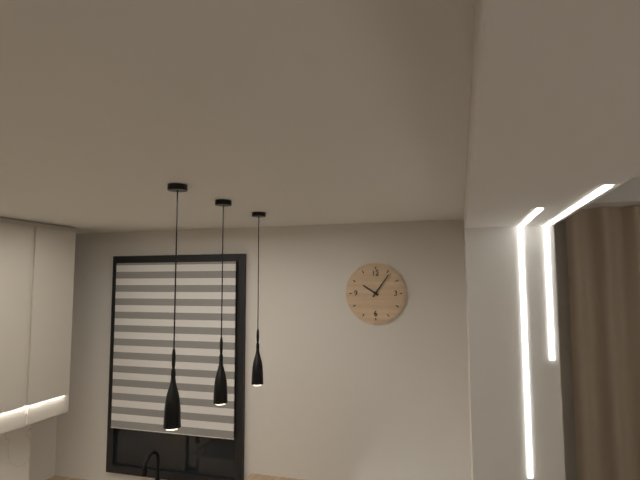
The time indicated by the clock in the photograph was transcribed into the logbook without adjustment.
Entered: 10:06
